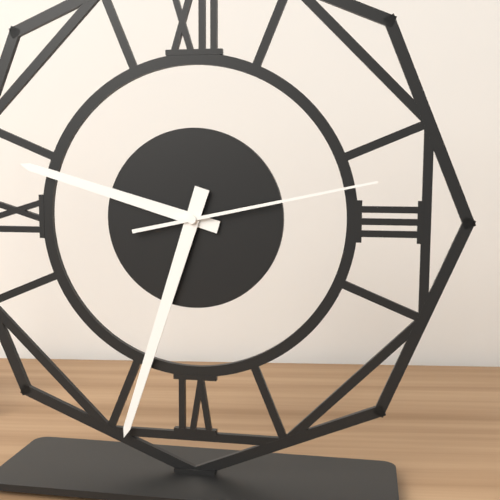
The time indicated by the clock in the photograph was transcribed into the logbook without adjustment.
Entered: 9:33:13
